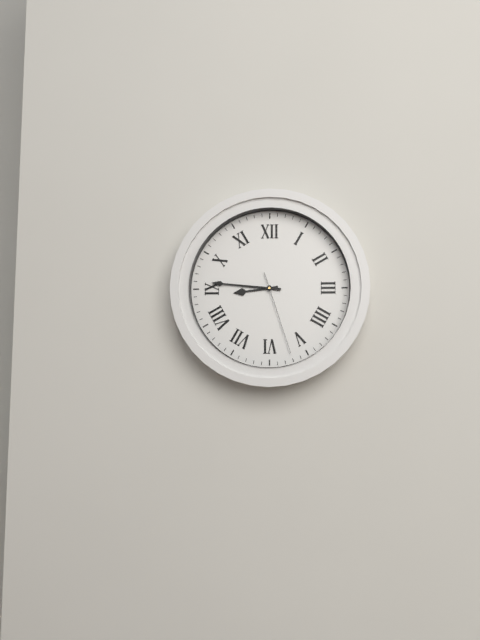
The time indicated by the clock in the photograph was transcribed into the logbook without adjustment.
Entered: 8:46:27
